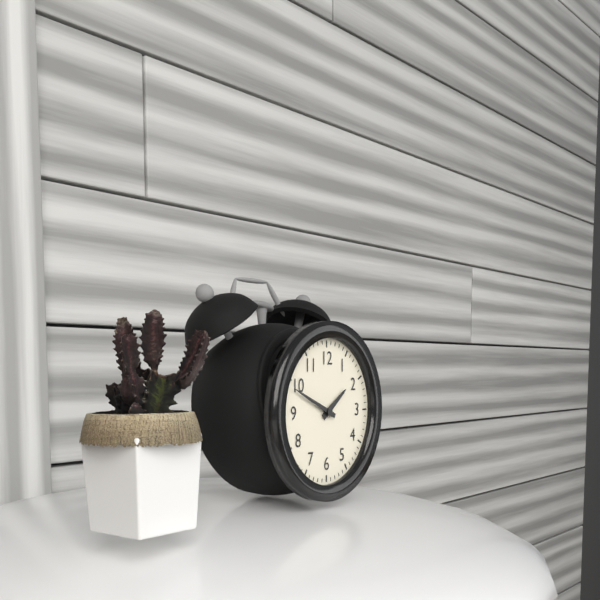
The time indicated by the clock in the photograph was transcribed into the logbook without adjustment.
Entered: 1:49
